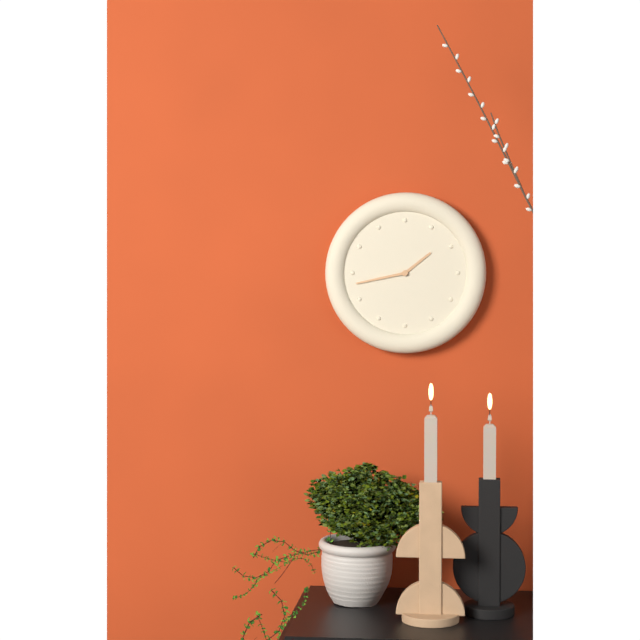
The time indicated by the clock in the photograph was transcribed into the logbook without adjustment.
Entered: 1:43
